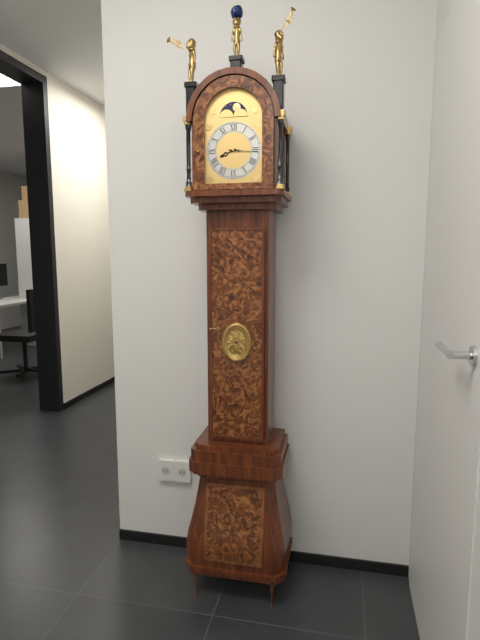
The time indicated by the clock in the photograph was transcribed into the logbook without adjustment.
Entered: 8:16
